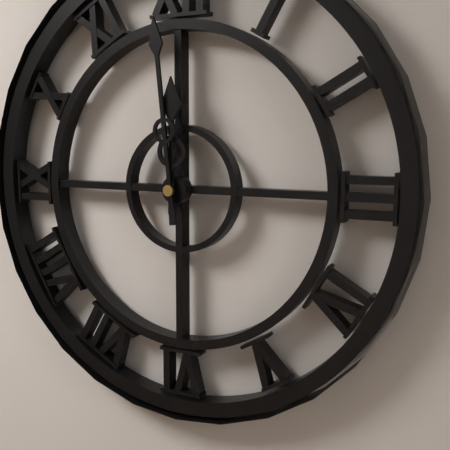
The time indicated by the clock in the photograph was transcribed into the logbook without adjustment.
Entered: 11:59
